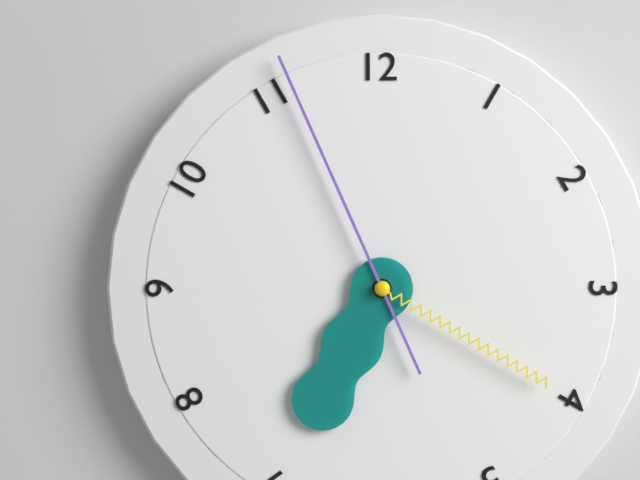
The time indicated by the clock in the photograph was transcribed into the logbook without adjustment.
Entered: 6:56:20
